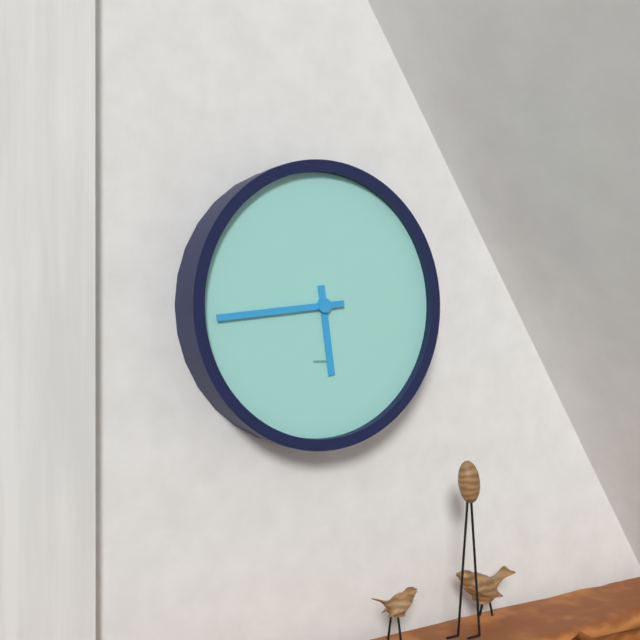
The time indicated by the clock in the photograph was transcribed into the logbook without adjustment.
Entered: 5:44
